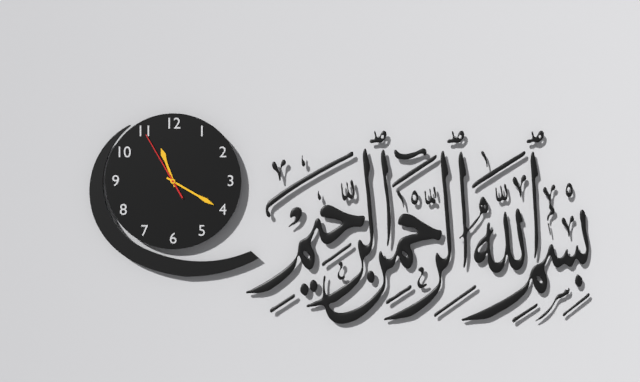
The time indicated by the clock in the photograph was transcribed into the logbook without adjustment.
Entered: 11:20:55
